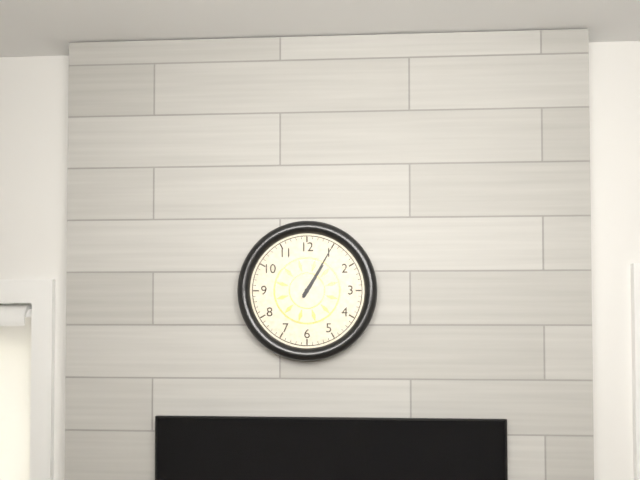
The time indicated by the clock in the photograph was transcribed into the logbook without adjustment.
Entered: 1:05
